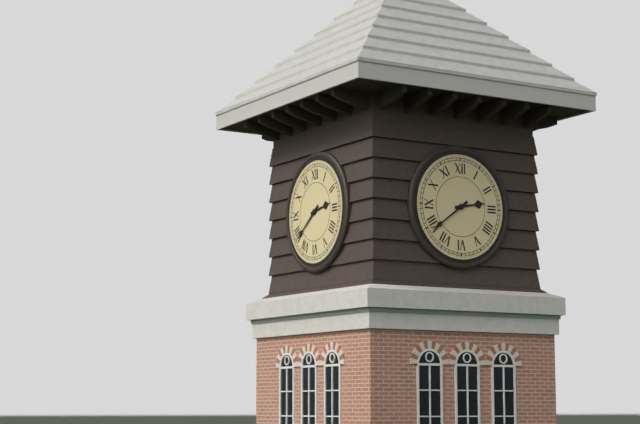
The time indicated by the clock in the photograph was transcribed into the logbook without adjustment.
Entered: 2:39
